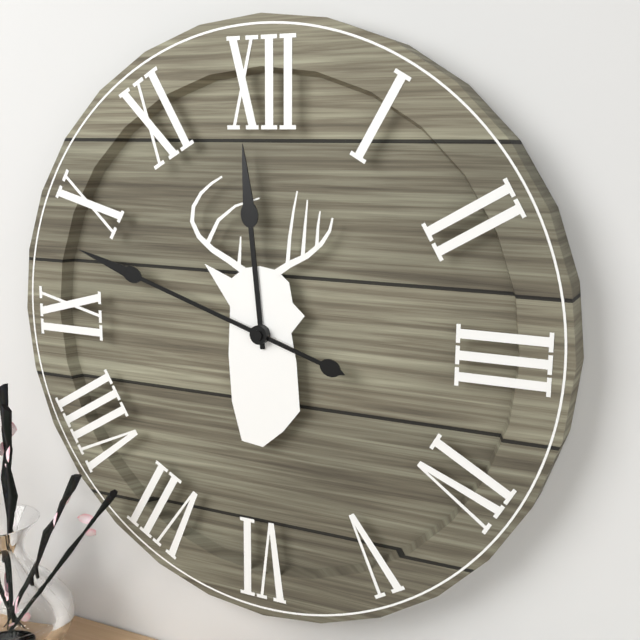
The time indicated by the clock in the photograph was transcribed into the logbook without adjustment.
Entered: 11:48
